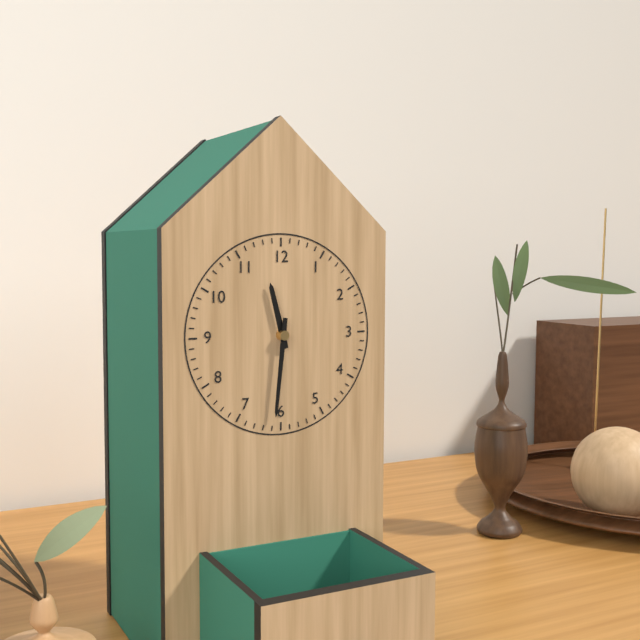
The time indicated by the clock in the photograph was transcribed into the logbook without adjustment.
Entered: 11:31
